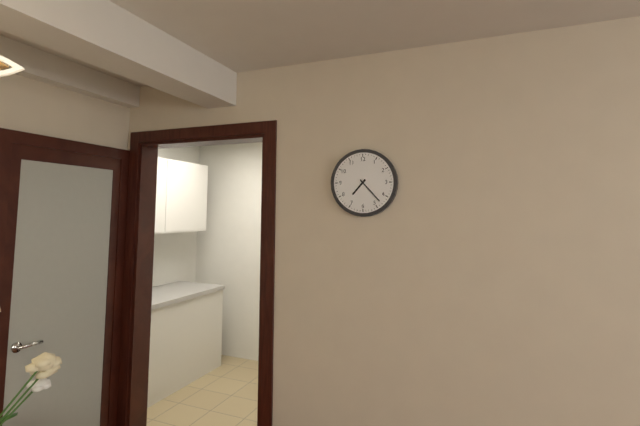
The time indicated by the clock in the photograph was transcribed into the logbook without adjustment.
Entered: 7:23
